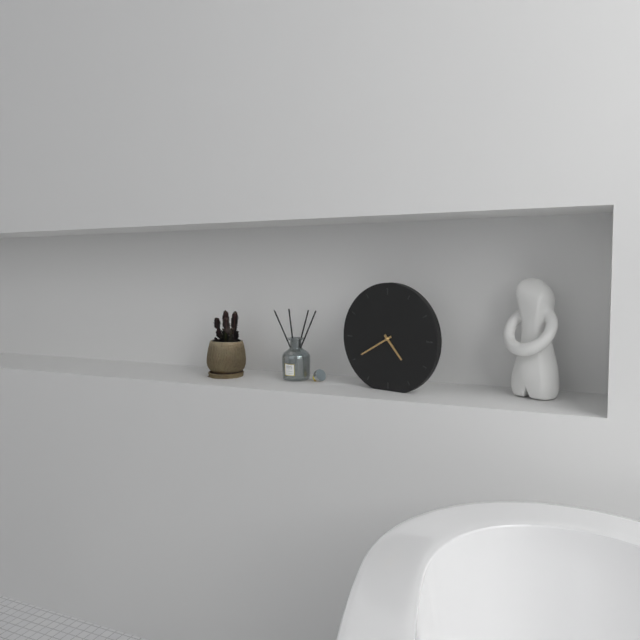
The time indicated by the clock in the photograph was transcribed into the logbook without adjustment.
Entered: 4:40
